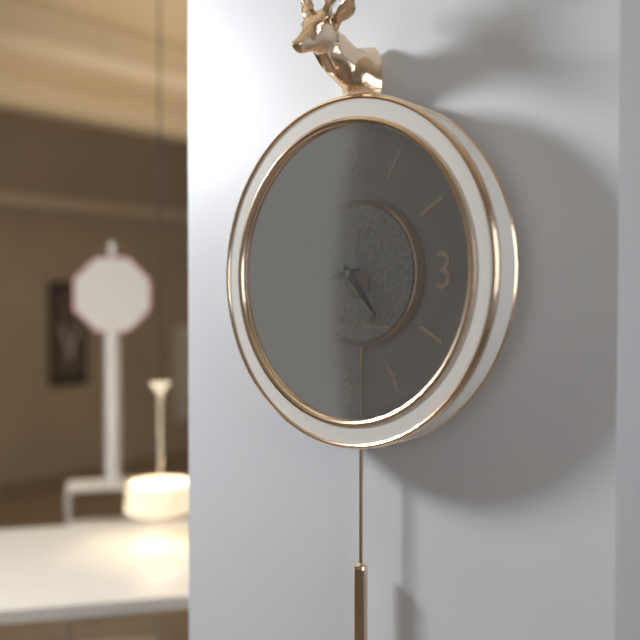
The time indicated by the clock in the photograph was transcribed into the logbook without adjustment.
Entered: 4:43
